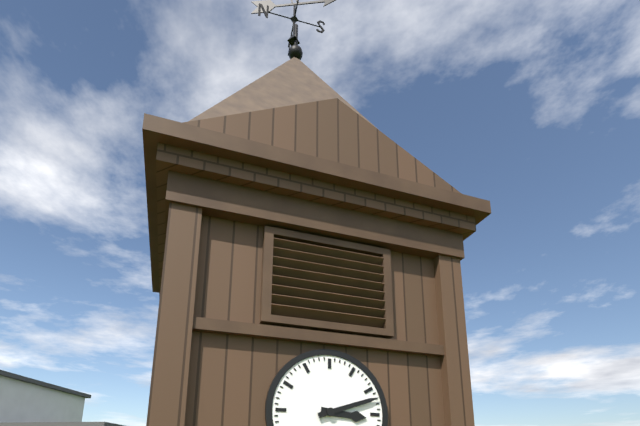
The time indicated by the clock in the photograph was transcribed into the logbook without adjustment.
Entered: 3:12
